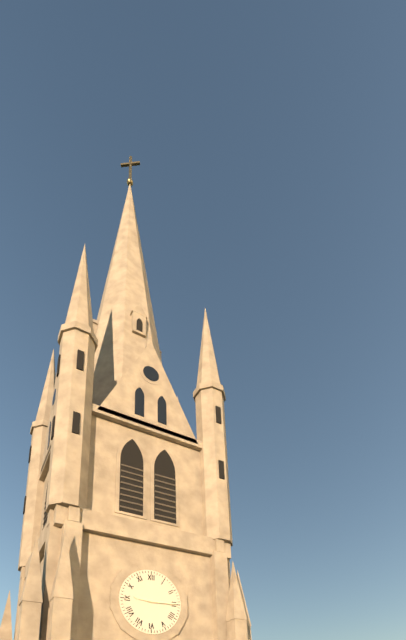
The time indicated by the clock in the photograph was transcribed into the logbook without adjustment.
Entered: 9:15
